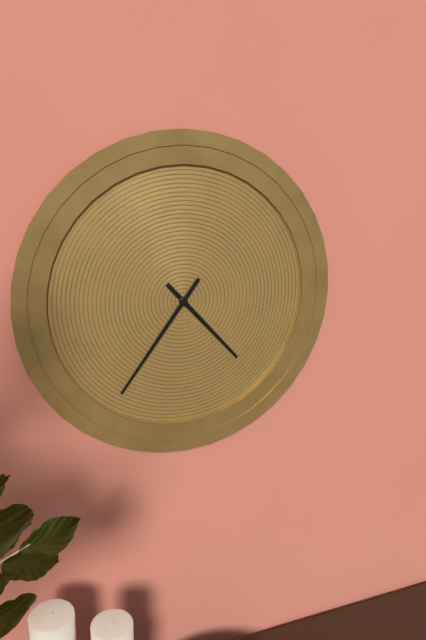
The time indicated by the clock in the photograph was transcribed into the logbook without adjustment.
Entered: 4:36
